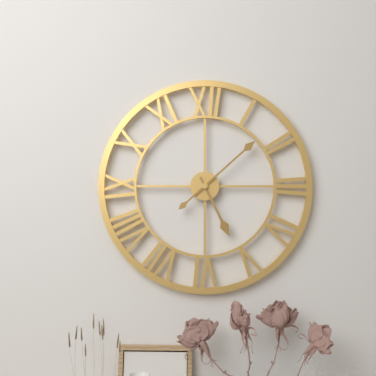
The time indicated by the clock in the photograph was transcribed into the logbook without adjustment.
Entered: 5:08
